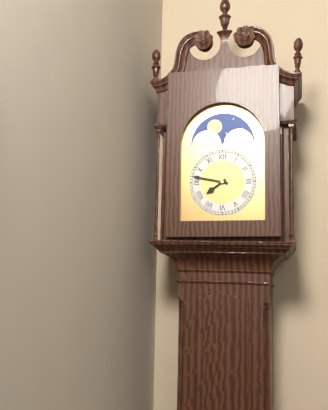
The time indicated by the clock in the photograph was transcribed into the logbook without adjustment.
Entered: 7:47
